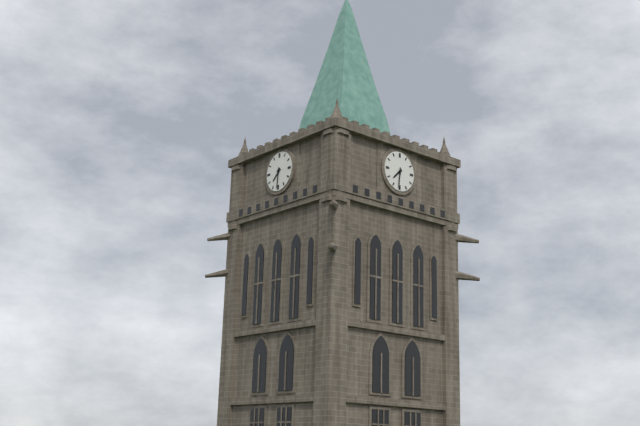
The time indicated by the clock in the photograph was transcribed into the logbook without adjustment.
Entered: 7:31
